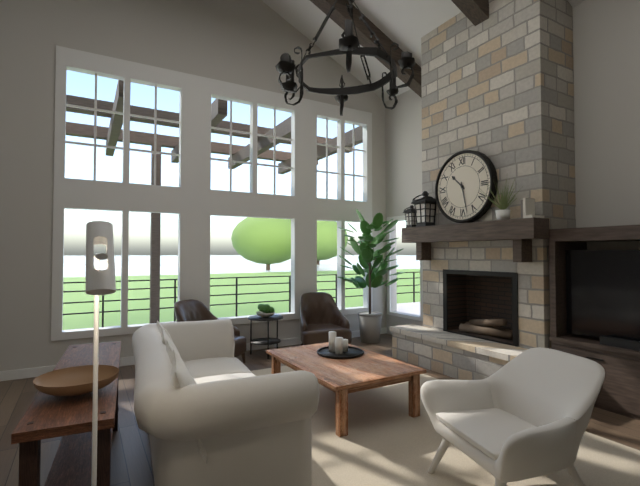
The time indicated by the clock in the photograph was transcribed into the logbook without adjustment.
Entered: 10:28
